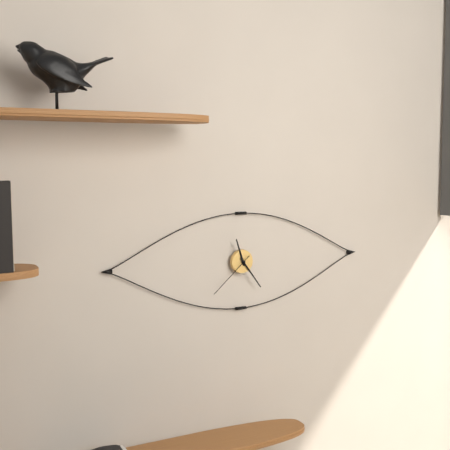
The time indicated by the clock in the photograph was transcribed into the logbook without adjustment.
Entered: 11:24:38
